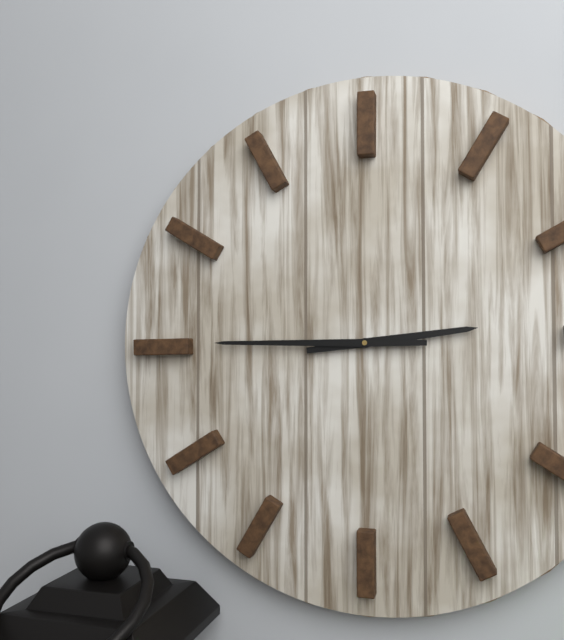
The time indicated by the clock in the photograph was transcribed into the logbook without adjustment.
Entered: 2:45
